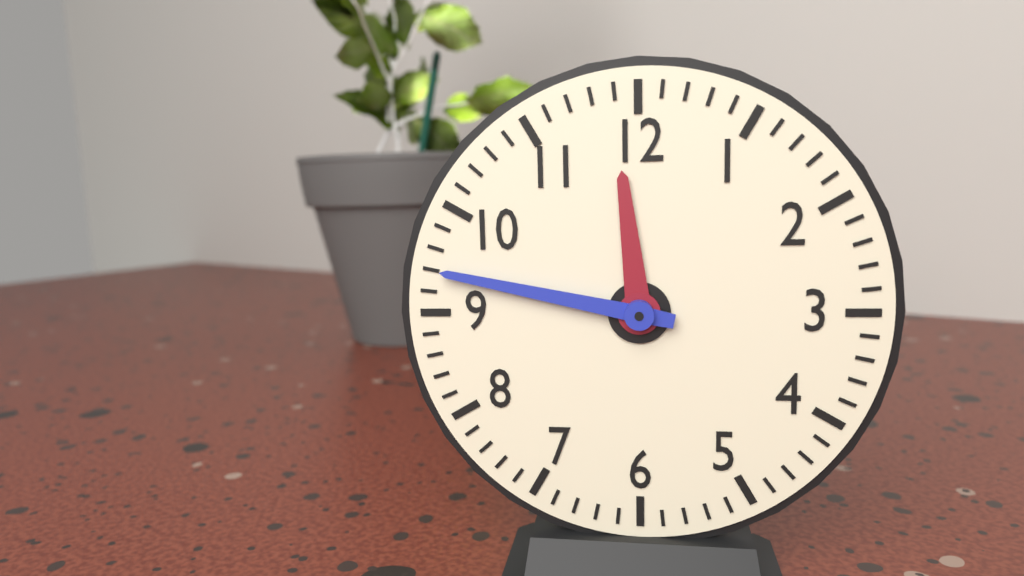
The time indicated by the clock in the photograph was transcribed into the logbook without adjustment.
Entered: 11:47
